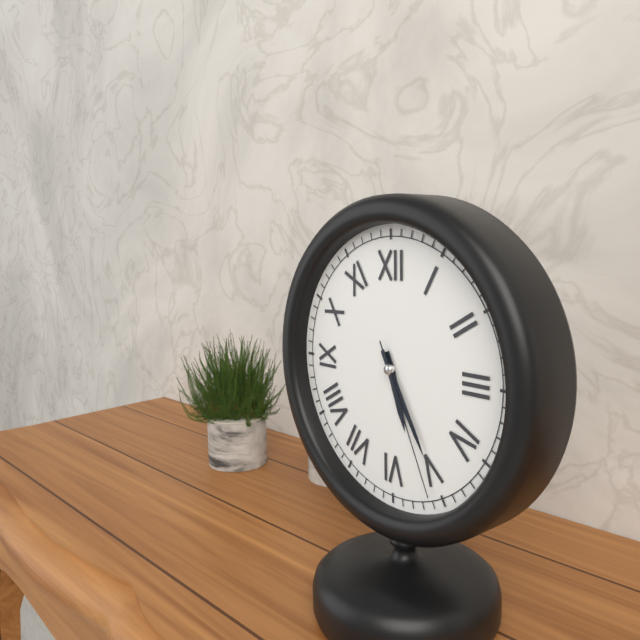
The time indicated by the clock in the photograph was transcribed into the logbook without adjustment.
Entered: 5:25:26
